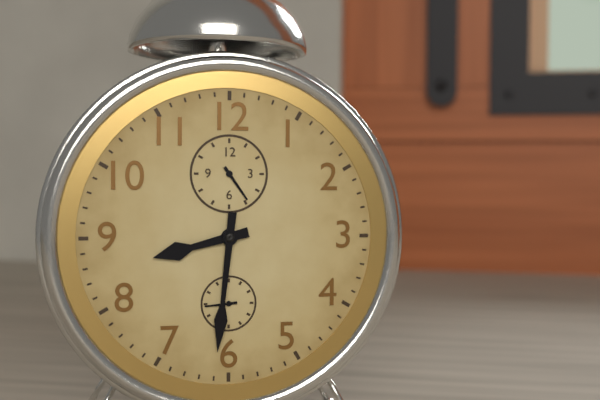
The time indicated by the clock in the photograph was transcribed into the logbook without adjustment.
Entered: 8:31
